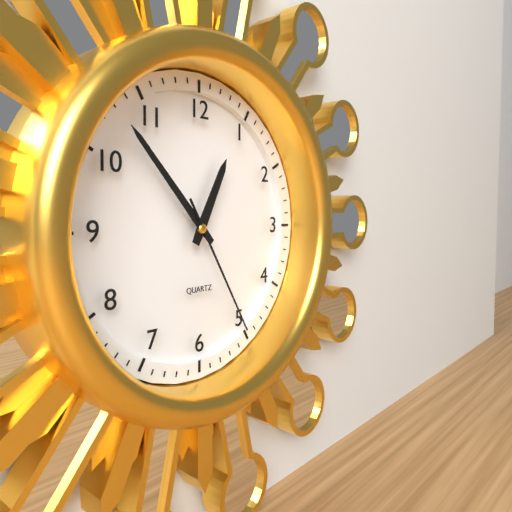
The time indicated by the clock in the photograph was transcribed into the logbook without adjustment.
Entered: 12:53:25
